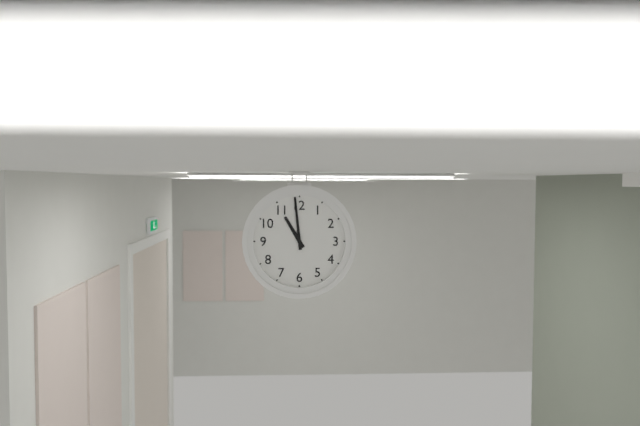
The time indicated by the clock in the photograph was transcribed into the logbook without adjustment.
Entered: 10:59
